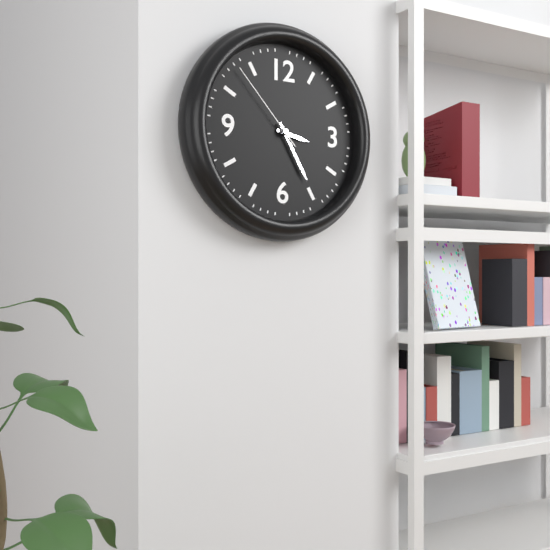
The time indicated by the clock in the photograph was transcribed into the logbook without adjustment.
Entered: 3:25:53
